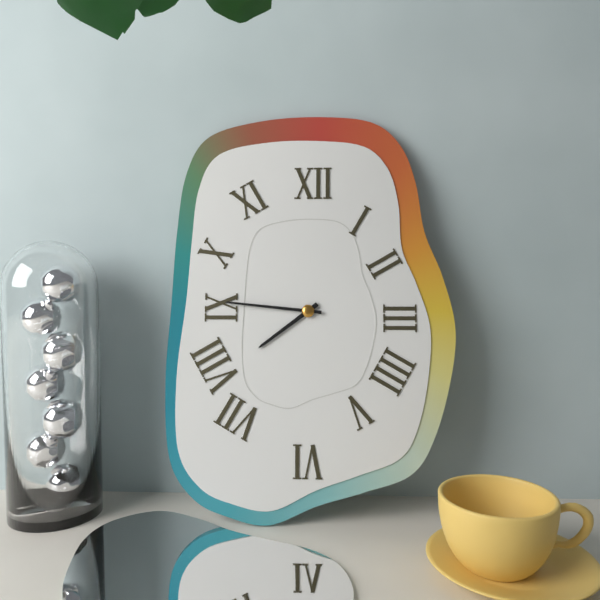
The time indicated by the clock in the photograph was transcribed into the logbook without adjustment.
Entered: 7:46
